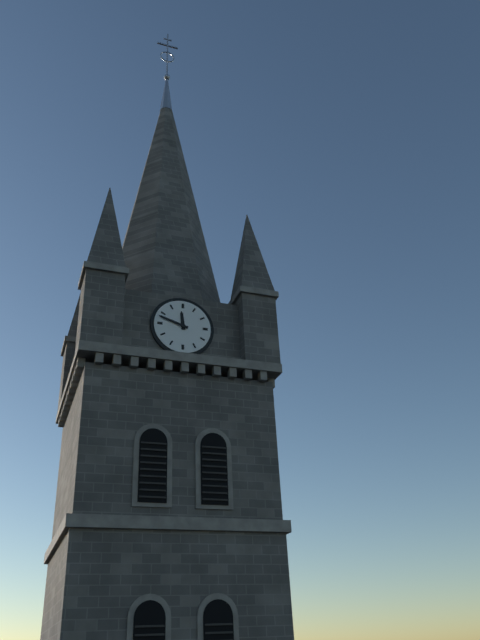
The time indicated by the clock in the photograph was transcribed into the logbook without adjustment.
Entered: 11:48
